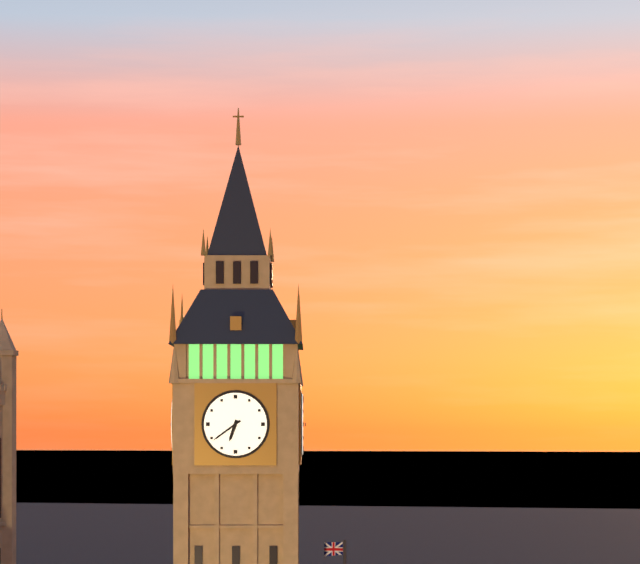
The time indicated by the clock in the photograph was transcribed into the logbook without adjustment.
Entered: 6:39
